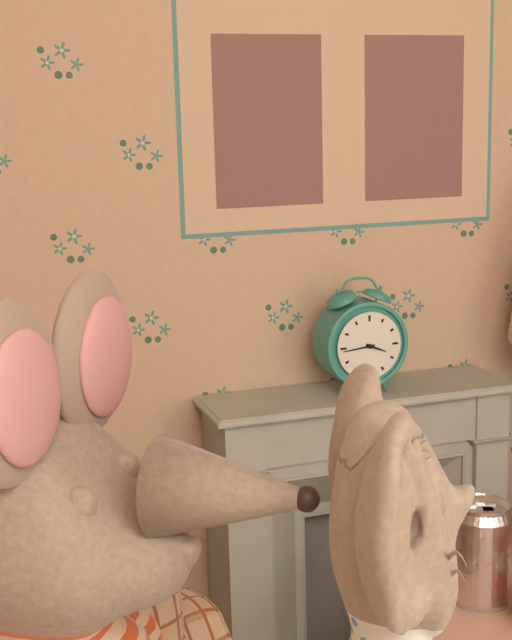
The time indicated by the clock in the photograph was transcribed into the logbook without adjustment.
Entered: 3:44
